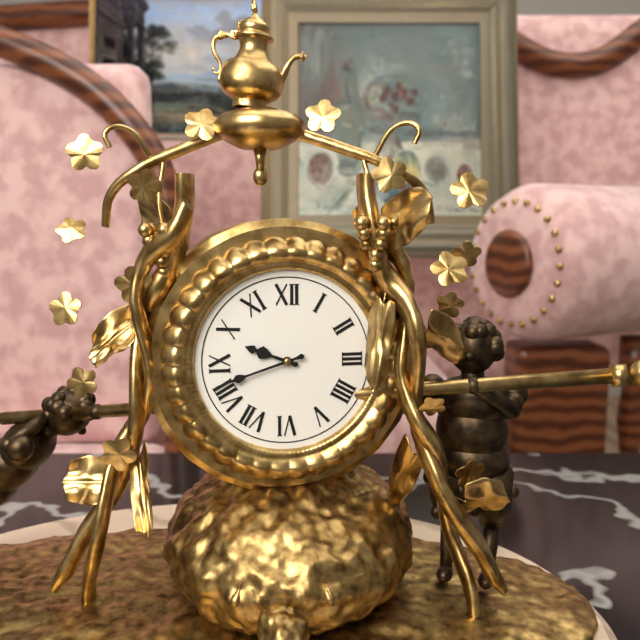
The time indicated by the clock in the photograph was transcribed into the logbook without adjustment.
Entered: 9:42
